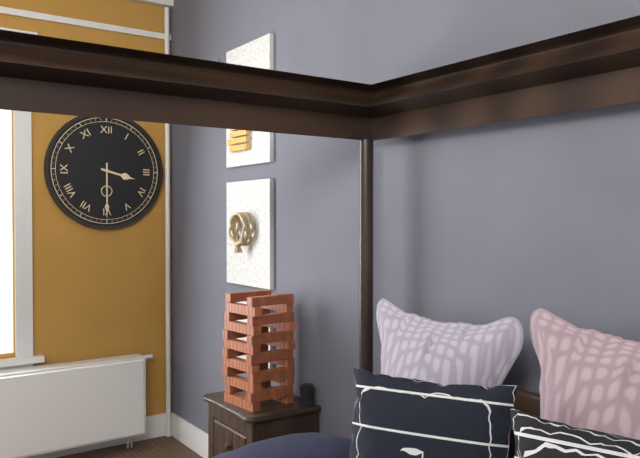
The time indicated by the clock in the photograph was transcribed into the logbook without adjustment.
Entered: 3:30
